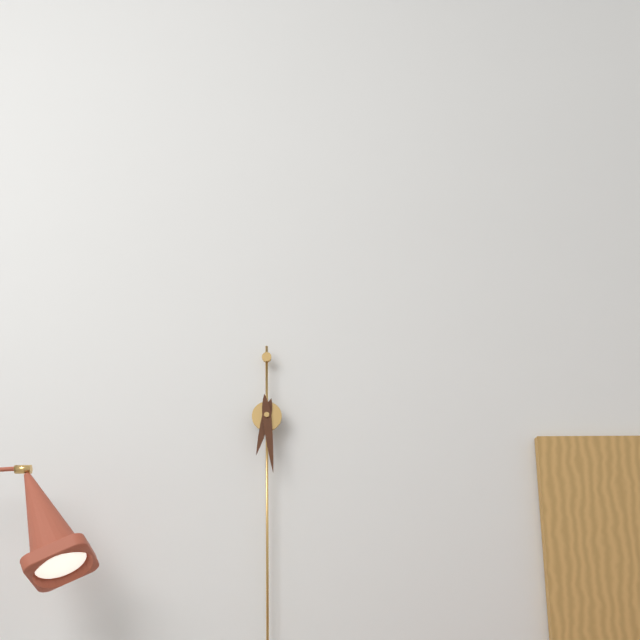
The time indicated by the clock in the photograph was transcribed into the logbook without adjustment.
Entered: 6:29
